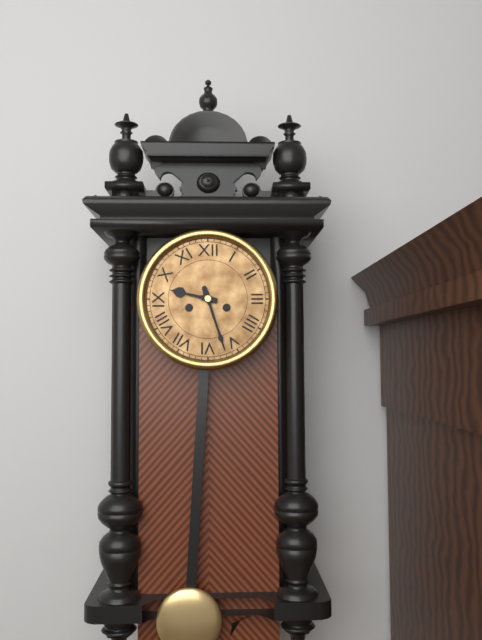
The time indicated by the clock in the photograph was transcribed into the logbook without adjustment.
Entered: 9:27
